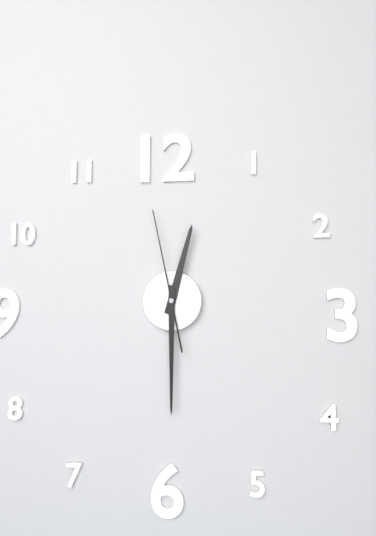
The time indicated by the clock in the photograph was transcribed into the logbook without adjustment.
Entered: 12:30:58
